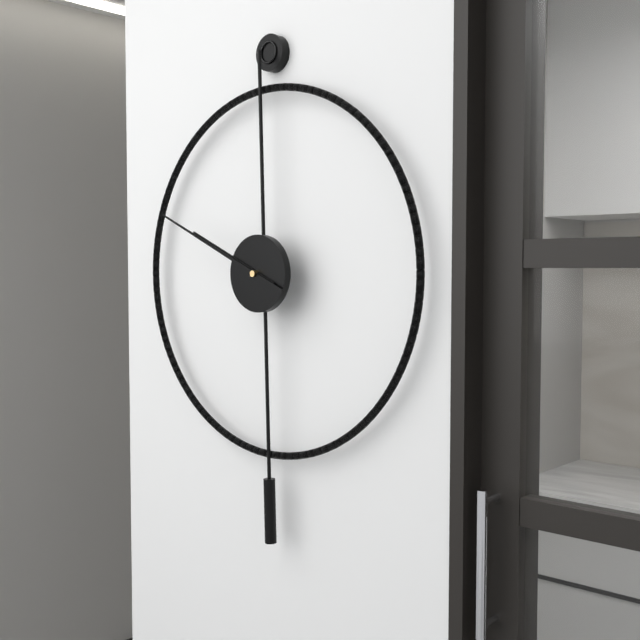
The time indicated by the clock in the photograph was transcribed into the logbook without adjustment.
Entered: 9:49
